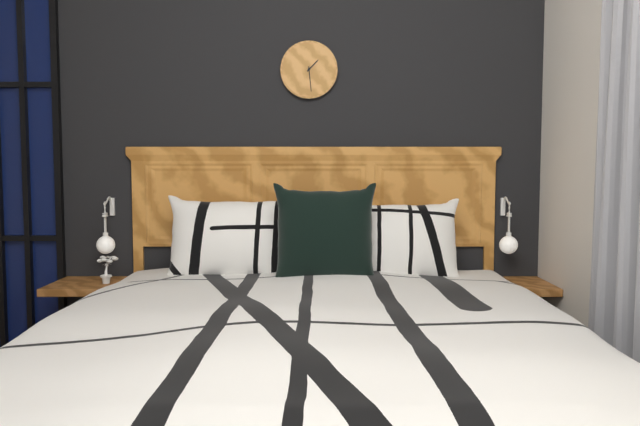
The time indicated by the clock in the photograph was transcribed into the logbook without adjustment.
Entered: 1:29
